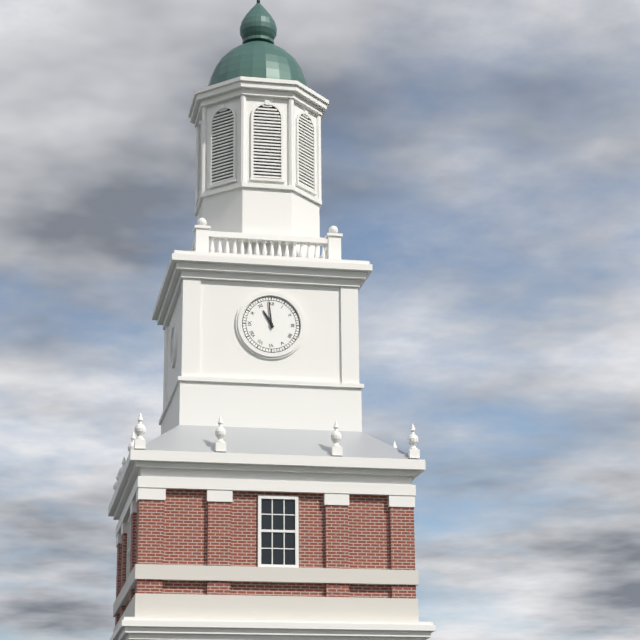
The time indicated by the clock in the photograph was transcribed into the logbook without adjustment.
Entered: 10:59
